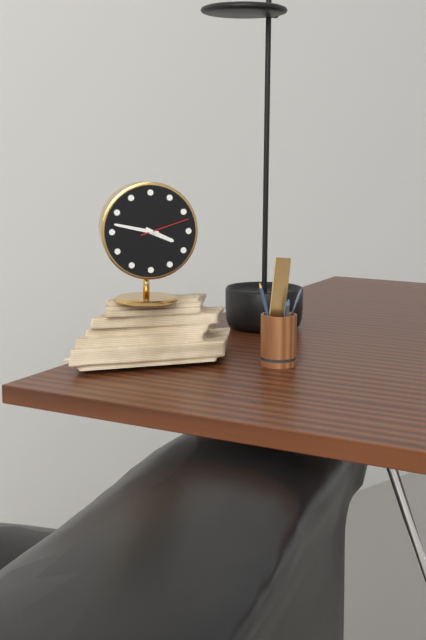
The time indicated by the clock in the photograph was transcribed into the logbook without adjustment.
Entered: 3:47:12
